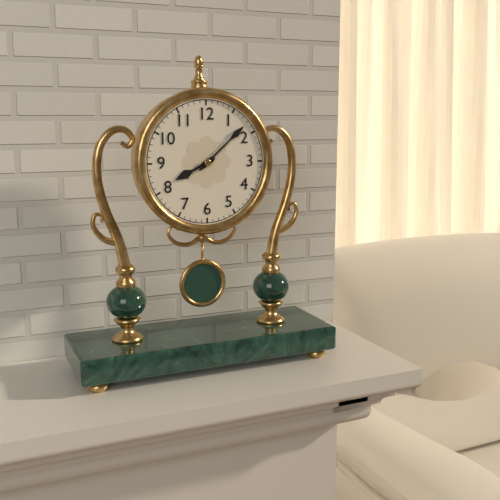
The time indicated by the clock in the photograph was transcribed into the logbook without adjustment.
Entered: 8:08
